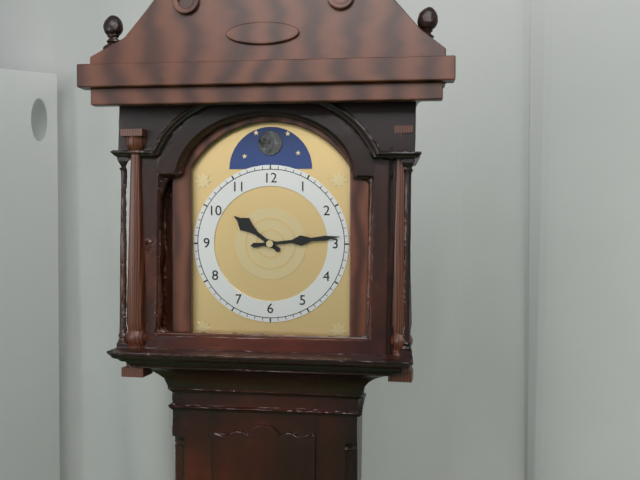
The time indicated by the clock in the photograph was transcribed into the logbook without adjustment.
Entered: 10:14
